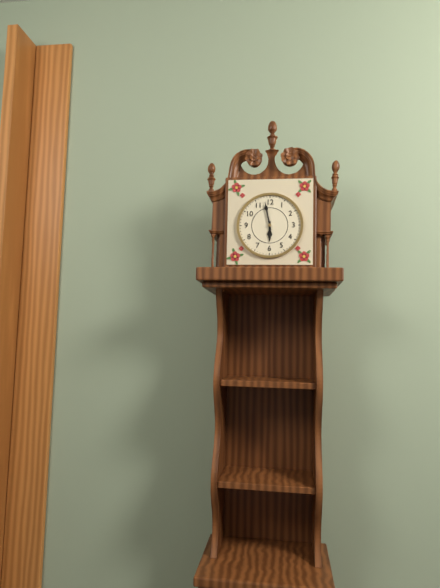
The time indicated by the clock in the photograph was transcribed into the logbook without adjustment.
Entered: 5:58
